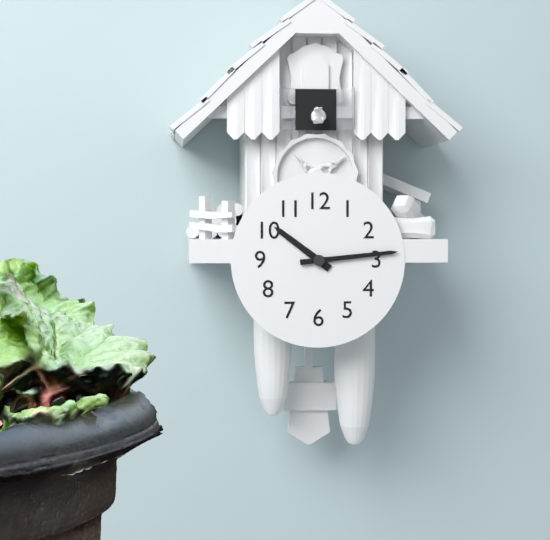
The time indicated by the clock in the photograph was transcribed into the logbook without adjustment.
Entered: 10:14
